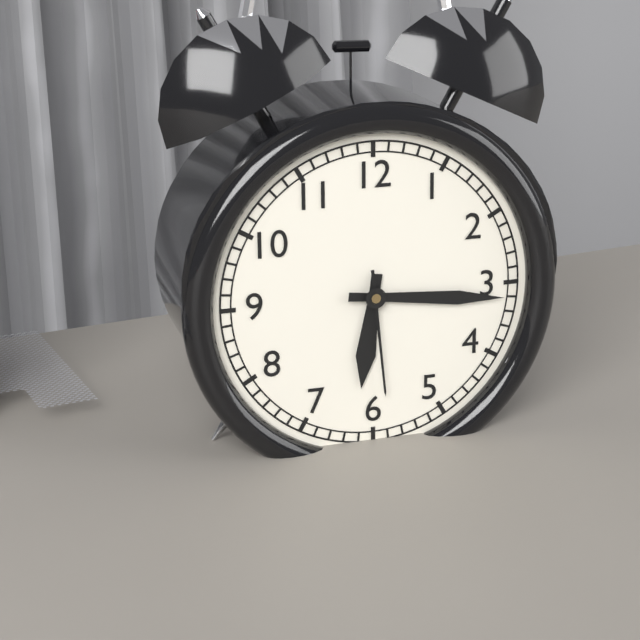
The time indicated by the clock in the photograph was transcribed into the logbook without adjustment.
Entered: 6:16:29
